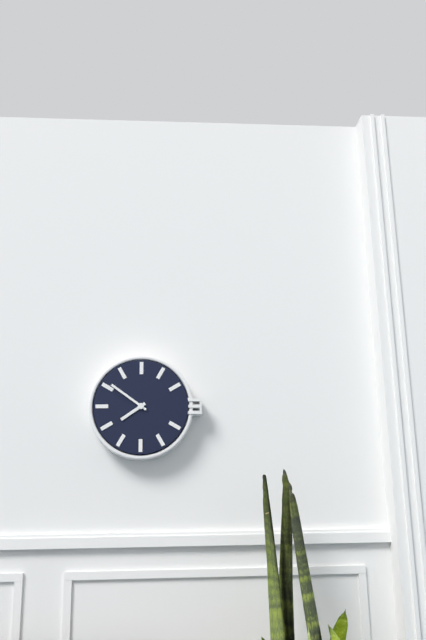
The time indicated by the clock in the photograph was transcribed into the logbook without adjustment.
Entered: 7:51
